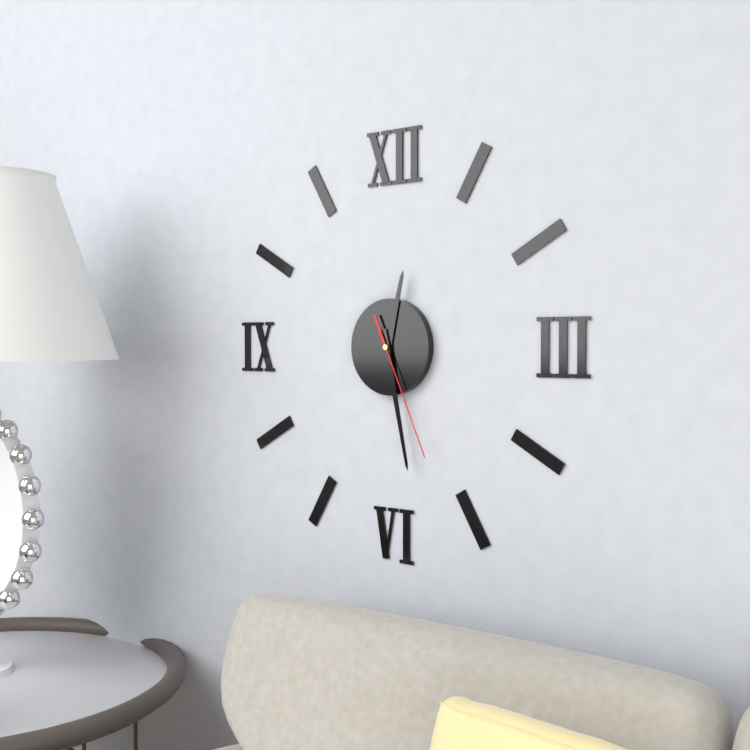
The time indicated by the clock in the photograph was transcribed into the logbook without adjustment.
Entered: 12:28:26
